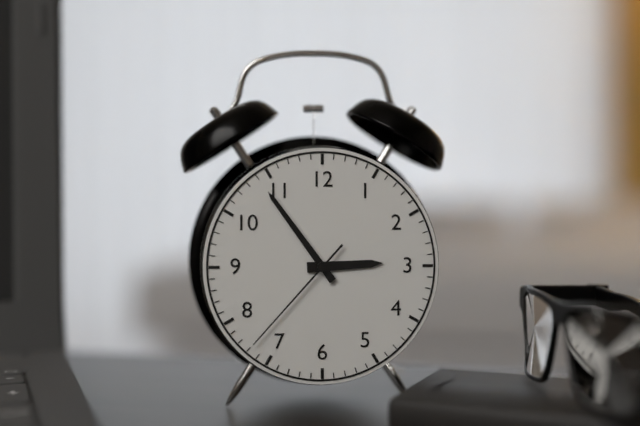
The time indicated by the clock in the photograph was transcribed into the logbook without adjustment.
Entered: 2:54:37
